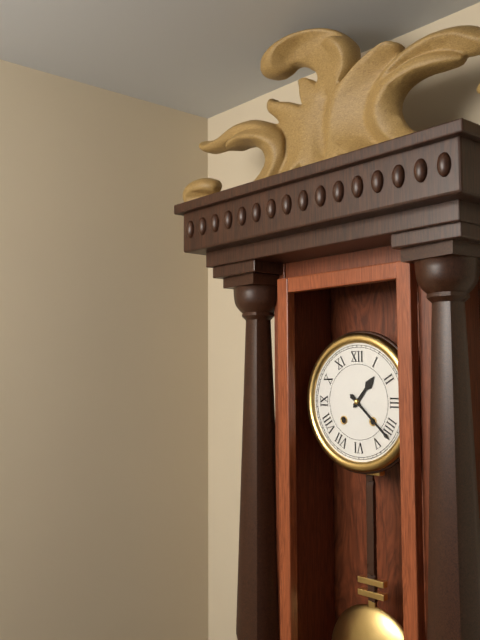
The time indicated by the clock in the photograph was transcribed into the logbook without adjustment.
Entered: 1:22
